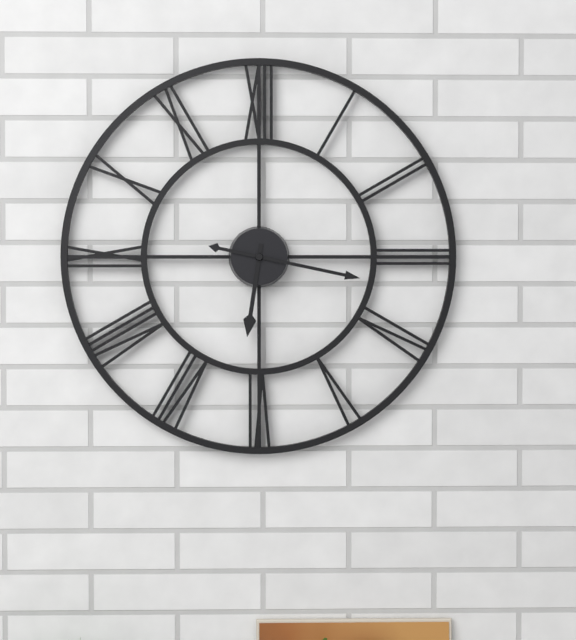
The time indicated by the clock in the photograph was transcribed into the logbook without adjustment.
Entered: 6:17
